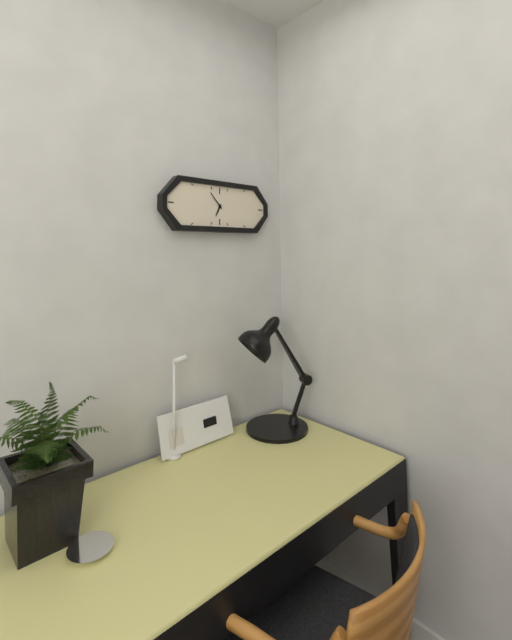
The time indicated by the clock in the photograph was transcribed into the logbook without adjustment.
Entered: 6:53
